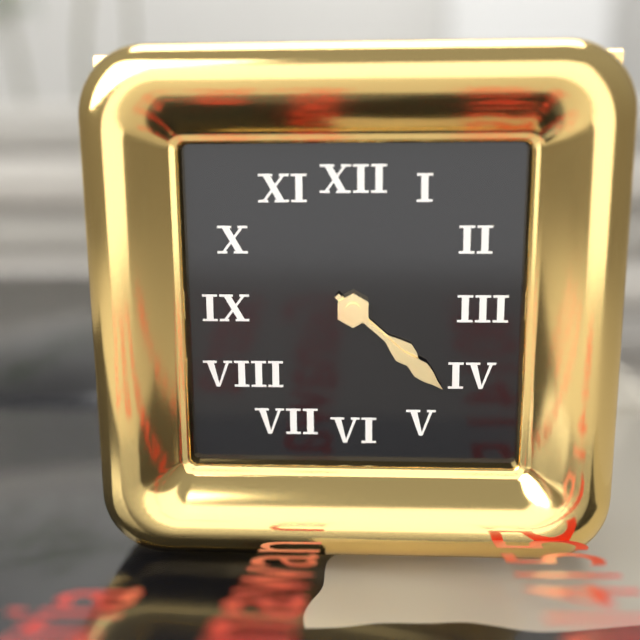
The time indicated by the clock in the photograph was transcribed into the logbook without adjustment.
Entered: 4:22
